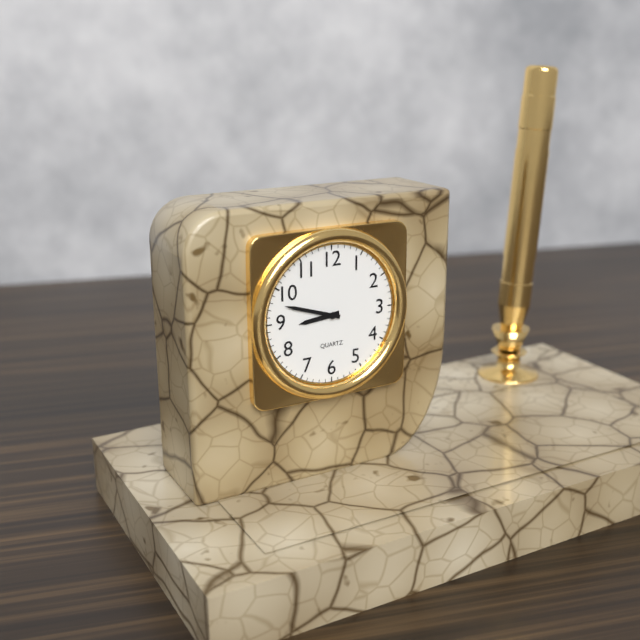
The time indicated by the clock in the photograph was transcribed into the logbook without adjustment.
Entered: 8:48
